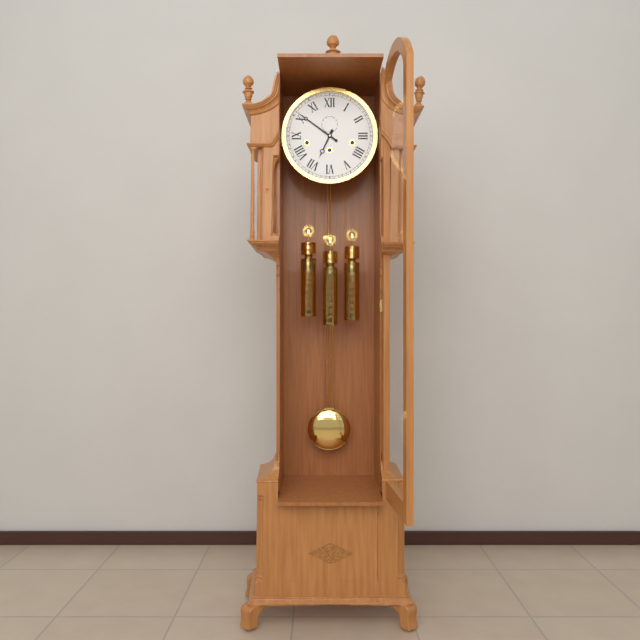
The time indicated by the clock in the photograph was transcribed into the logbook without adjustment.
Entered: 6:51
